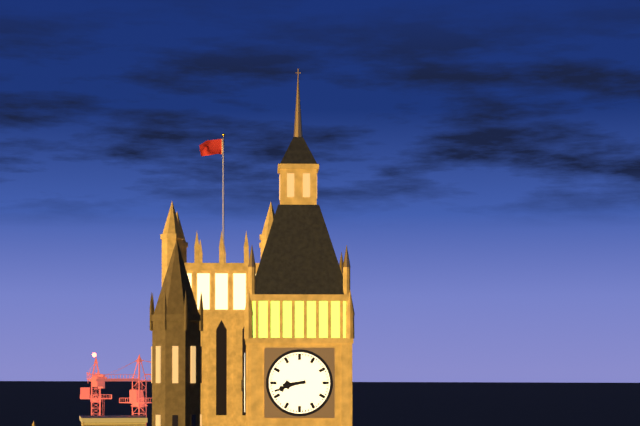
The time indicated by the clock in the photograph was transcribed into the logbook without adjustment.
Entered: 8:42
